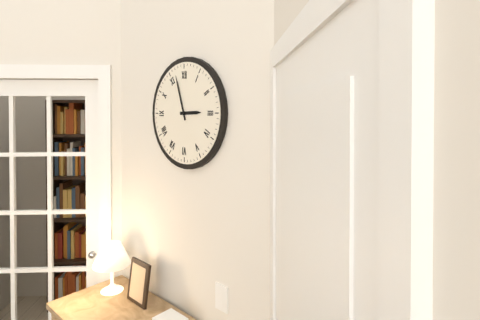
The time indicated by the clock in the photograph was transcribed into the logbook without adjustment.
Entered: 2:57
